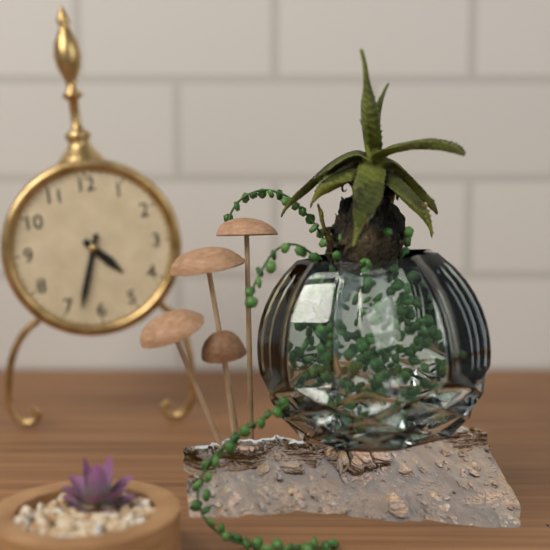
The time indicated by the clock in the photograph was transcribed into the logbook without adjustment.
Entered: 4:33
